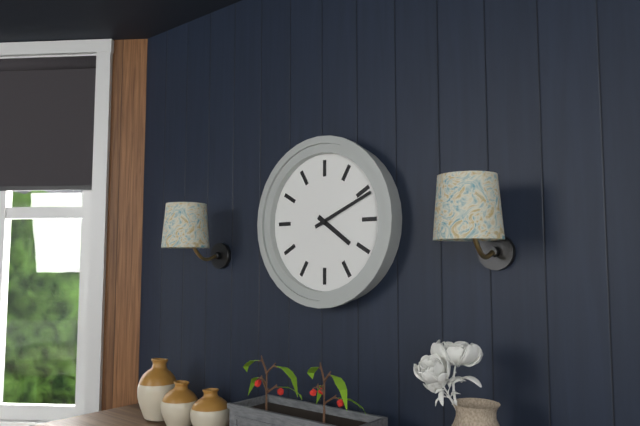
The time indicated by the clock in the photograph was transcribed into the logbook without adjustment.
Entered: 4:11
